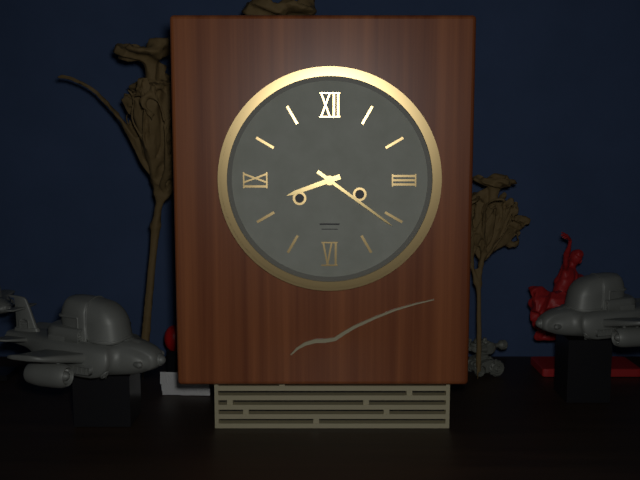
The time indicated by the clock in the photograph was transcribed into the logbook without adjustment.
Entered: 8:21
